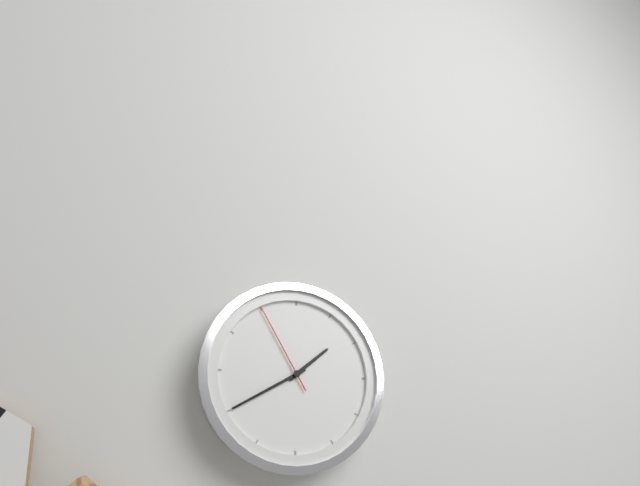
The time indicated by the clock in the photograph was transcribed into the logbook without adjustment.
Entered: 1:40:55
